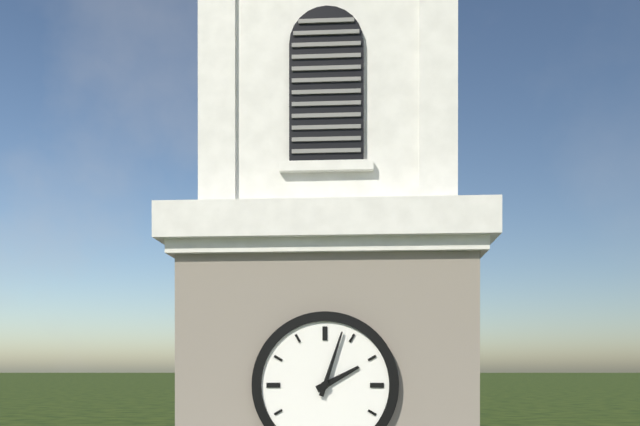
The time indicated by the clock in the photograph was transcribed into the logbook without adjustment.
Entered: 2:03
